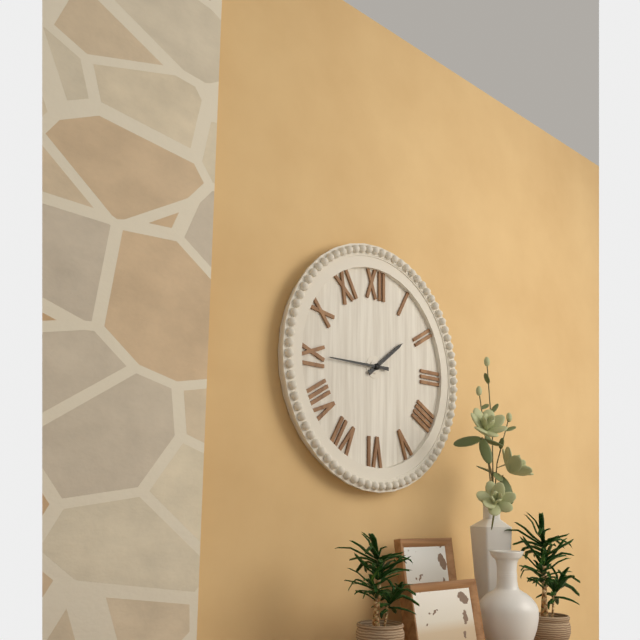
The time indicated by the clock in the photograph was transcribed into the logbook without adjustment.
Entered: 1:45
